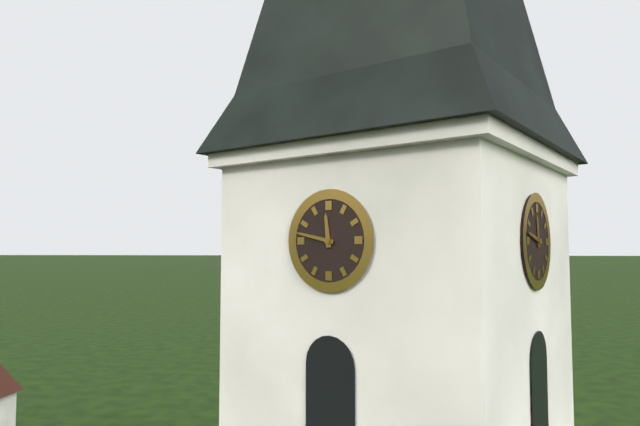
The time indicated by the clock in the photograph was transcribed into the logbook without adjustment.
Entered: 11:47
